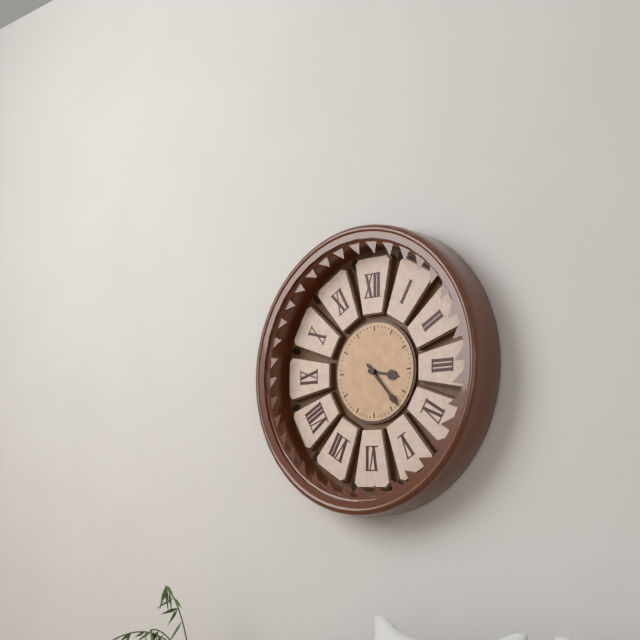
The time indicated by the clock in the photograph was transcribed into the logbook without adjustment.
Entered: 3:23
